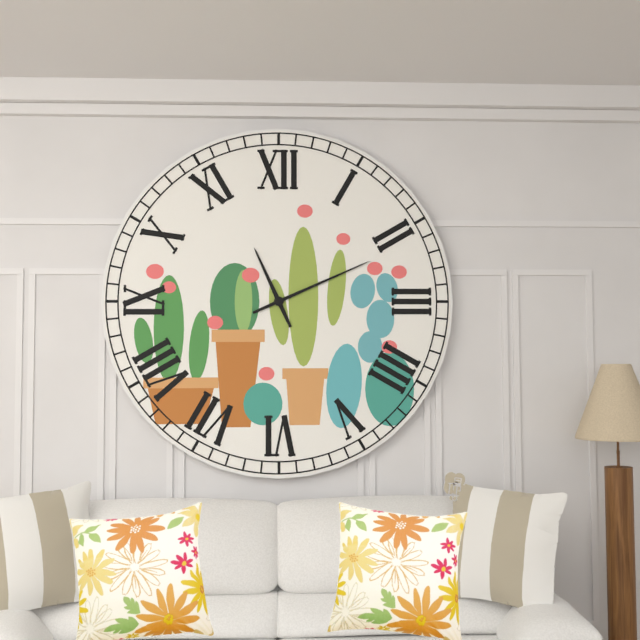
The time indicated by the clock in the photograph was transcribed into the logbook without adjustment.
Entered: 11:11
